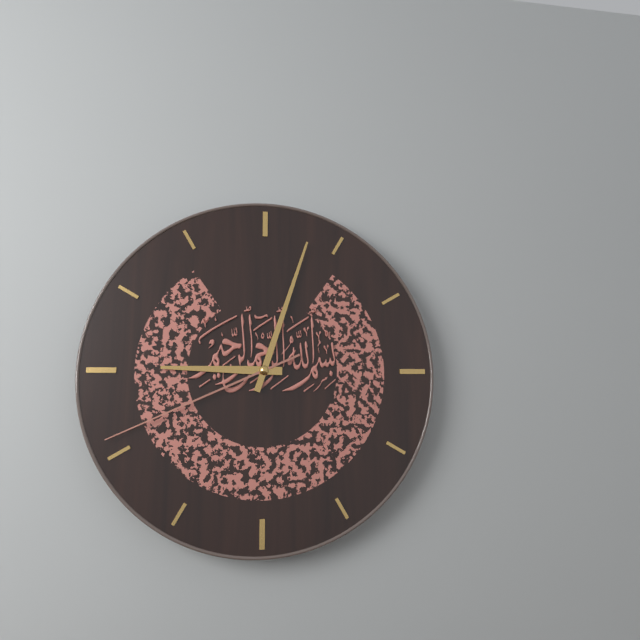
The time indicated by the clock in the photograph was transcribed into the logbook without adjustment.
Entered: 9:03:41
